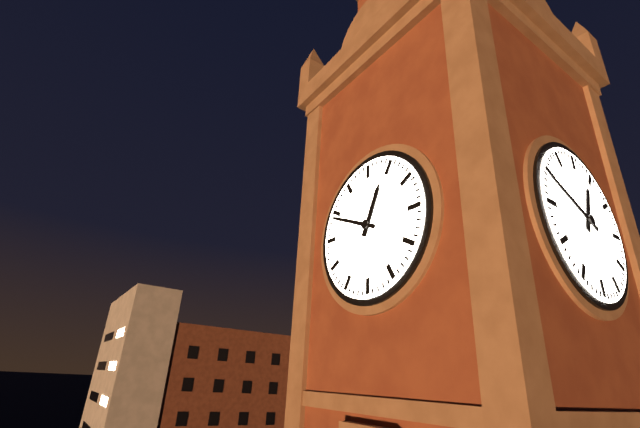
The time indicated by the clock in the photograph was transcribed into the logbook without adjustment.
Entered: 12:49
